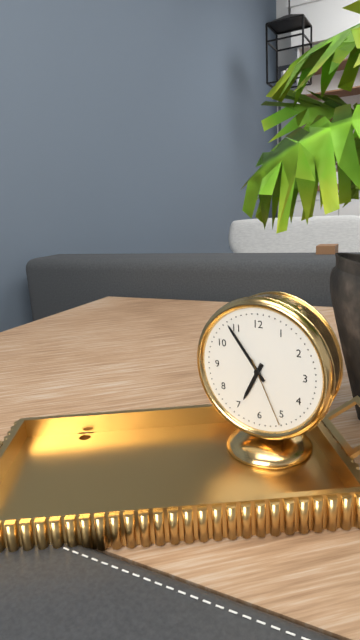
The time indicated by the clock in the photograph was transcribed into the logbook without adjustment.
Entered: 6:54:26
